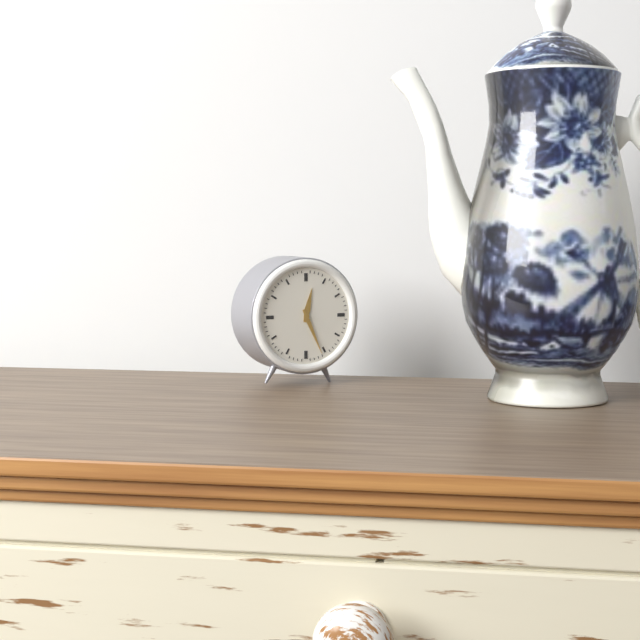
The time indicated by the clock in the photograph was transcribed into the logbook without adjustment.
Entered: 12:26
